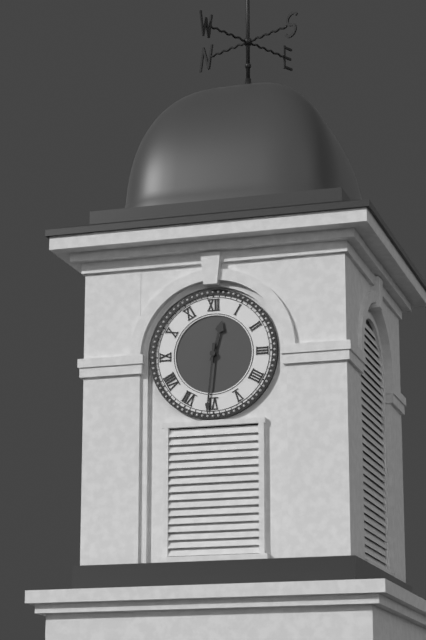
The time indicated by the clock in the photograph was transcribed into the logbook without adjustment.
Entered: 12:31
